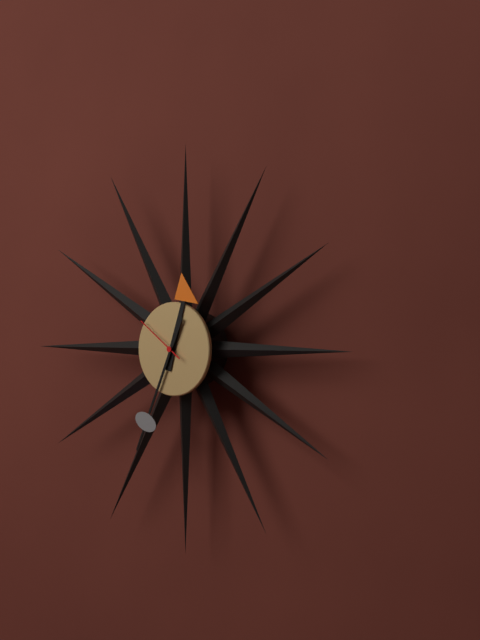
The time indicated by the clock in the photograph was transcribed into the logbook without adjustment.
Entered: 12:34:51
